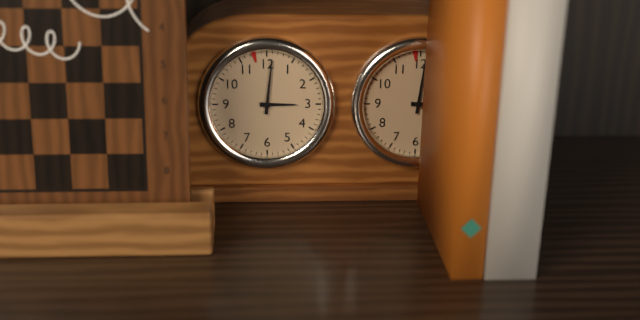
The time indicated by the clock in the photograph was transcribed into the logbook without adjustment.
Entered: 3:01
